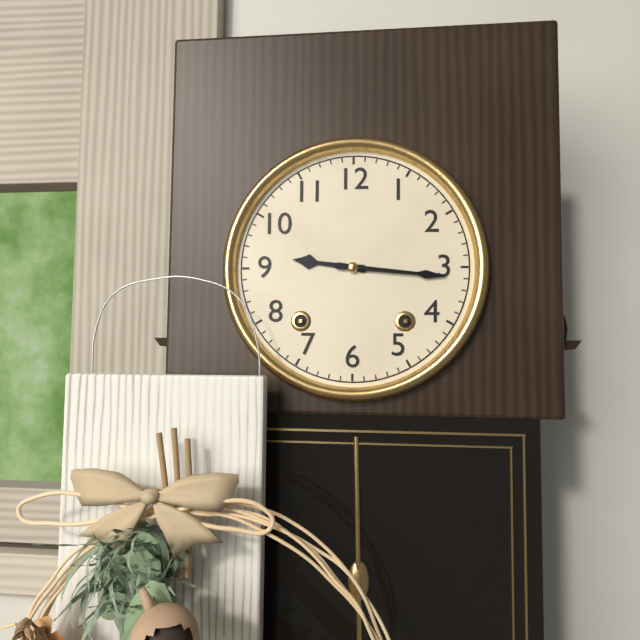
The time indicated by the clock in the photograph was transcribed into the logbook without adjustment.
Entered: 9:16
